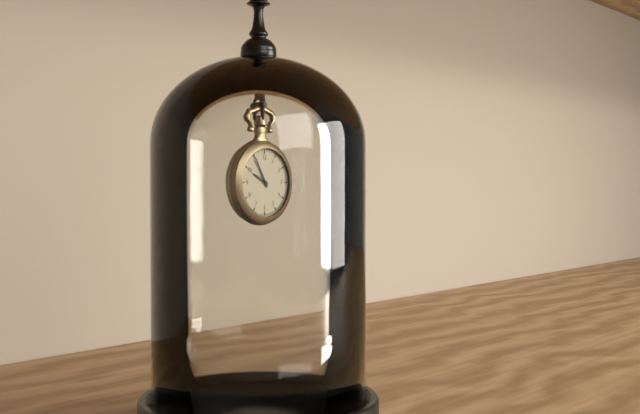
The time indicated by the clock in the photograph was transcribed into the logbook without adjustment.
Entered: 9:55
